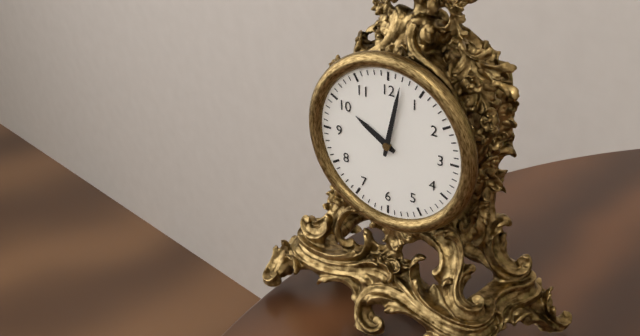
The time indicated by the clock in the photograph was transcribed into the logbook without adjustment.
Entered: 10:02
